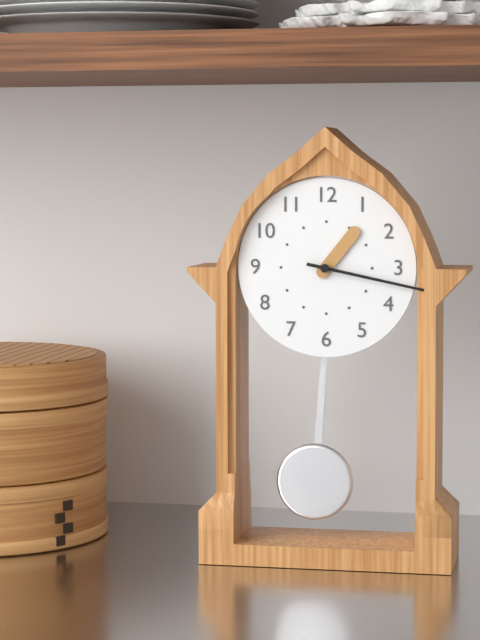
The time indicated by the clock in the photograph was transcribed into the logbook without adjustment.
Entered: 1:17
